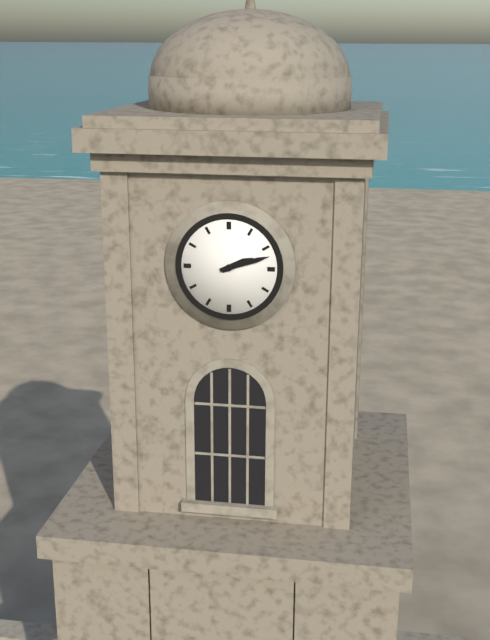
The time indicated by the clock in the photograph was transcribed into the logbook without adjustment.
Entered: 2:12
